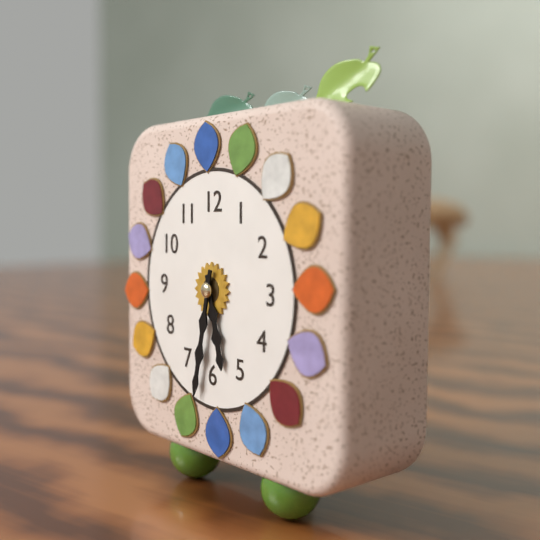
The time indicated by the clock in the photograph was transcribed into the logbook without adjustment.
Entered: 5:32
